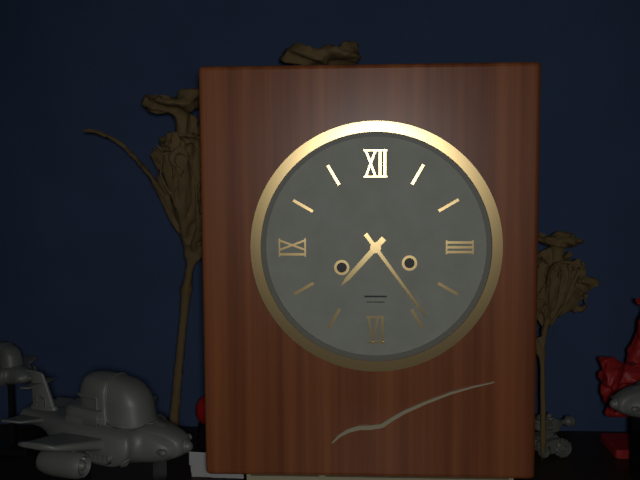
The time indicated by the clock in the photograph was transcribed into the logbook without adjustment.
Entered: 7:24
